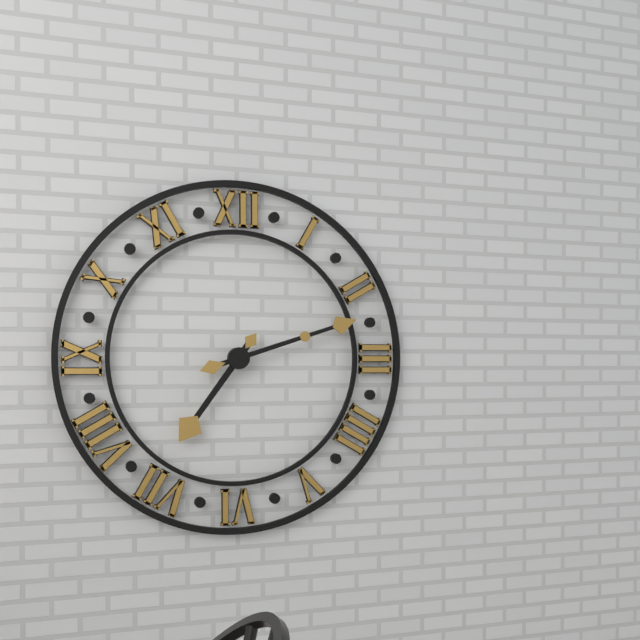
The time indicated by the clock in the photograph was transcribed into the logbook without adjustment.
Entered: 7:12
